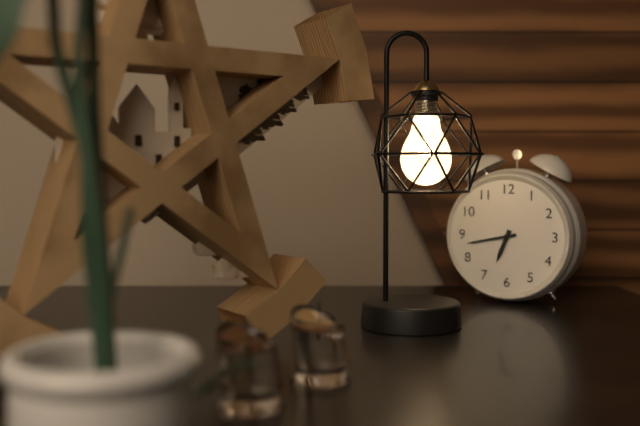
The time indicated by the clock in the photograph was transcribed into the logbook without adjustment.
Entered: 6:43
